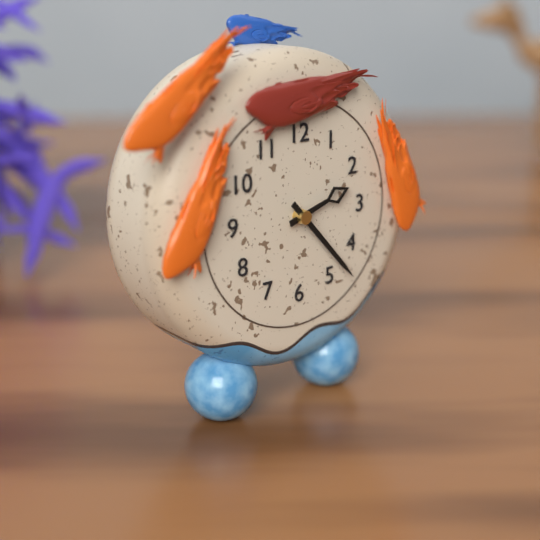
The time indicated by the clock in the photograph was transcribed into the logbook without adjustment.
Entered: 2:23
